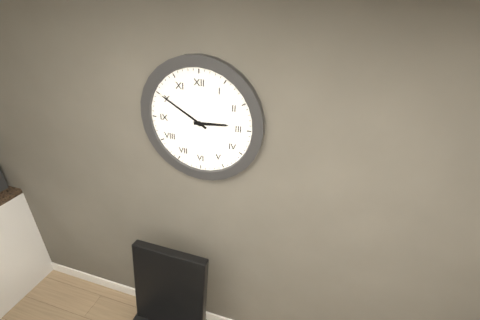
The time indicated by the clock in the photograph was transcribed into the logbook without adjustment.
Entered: 2:50
